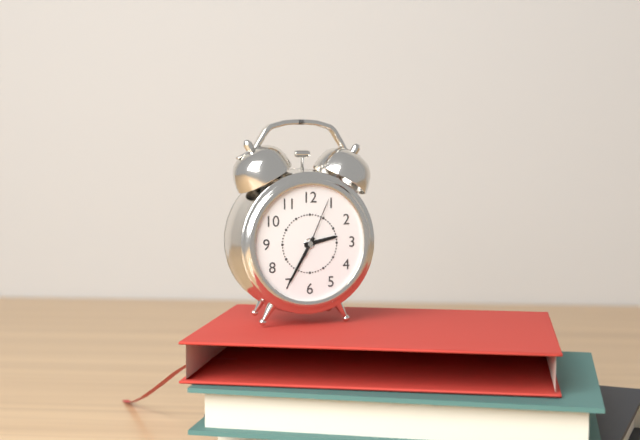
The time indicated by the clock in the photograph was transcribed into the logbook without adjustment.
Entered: 2:35:04
